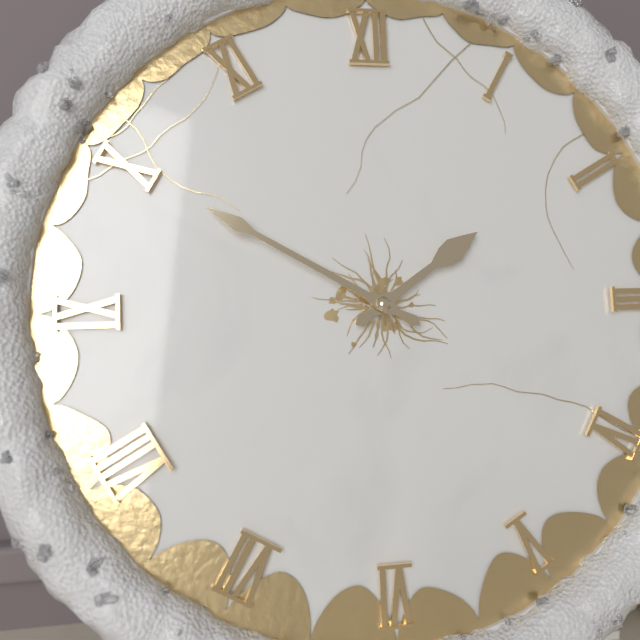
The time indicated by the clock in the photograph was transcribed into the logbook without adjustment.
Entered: 1:50
